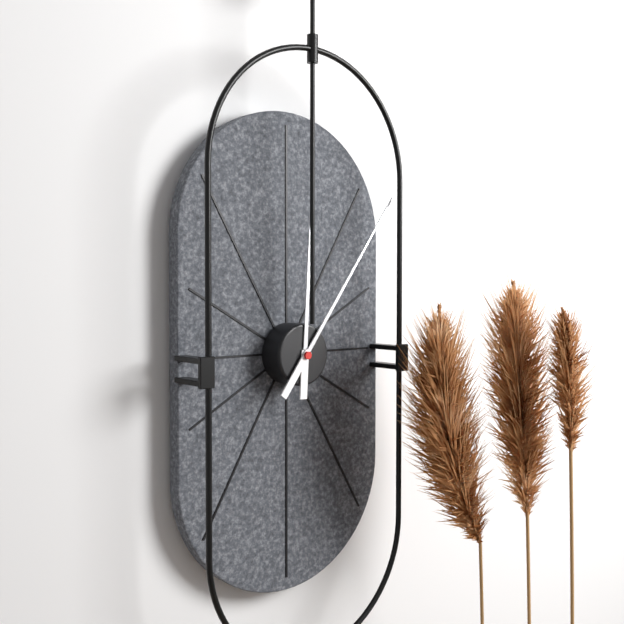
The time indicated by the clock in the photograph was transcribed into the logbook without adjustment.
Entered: 12:06
